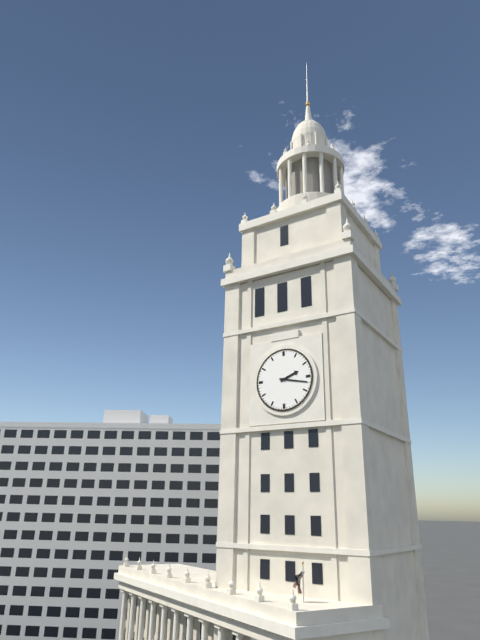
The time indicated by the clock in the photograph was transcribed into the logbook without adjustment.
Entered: 2:17
